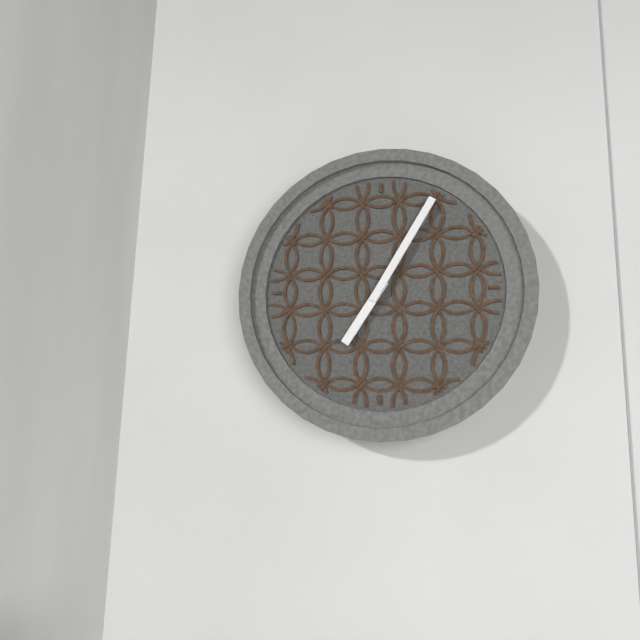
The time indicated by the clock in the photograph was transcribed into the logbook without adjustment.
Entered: 7:05
